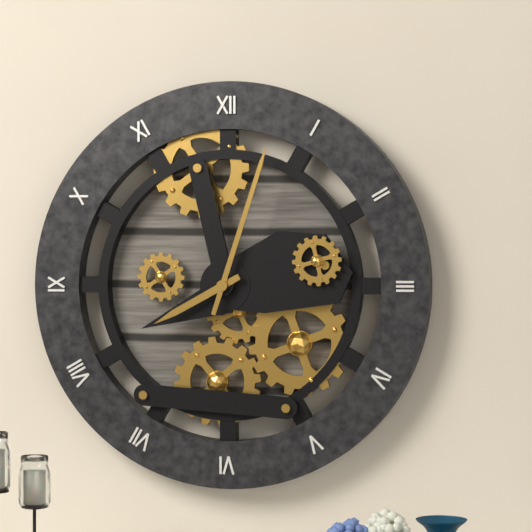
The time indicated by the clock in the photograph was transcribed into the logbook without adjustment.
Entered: 8:03
